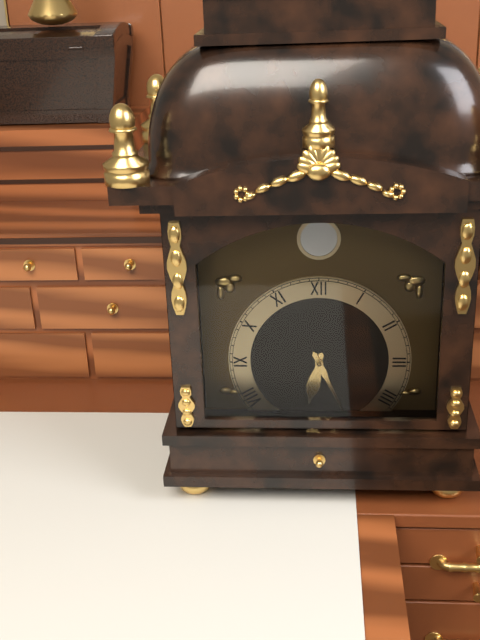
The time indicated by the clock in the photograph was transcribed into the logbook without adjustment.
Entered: 6:26
